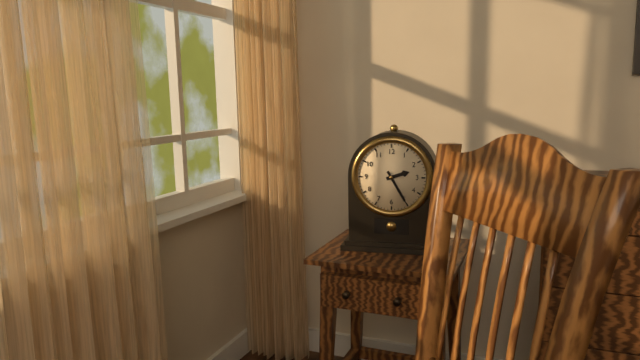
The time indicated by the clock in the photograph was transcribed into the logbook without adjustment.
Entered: 2:25
